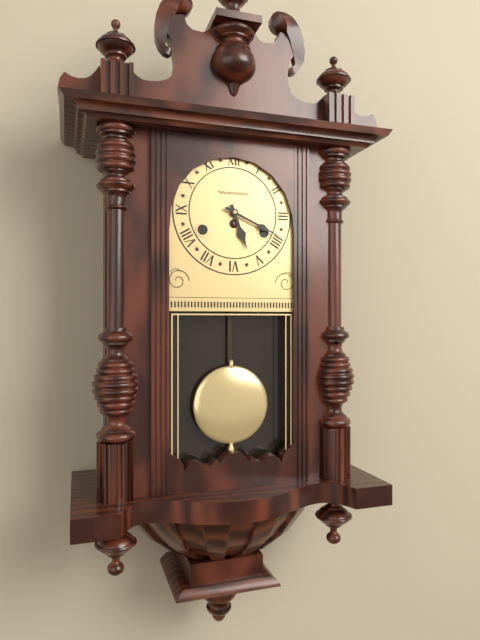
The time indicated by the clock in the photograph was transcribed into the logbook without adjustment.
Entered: 5:19
